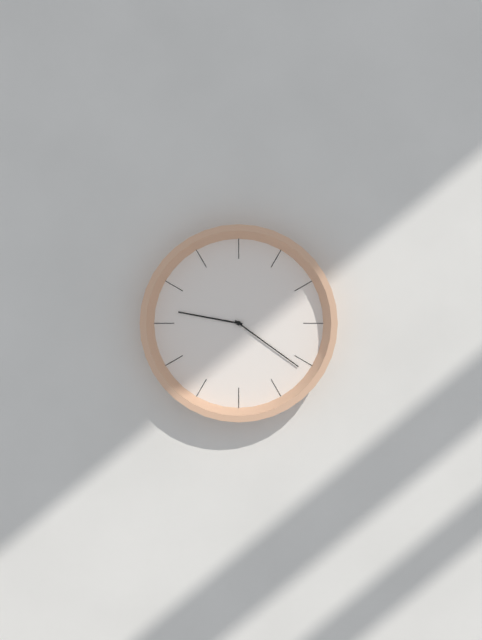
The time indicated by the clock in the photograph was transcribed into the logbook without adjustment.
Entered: 9:21
